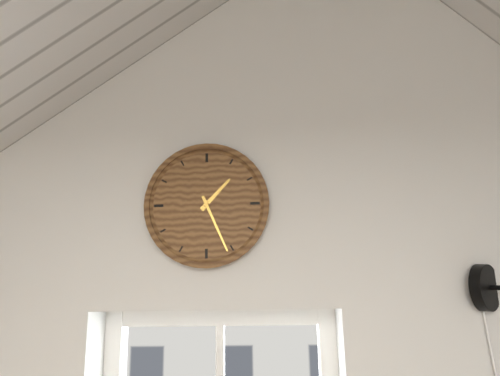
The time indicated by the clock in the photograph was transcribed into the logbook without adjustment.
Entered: 1:26
